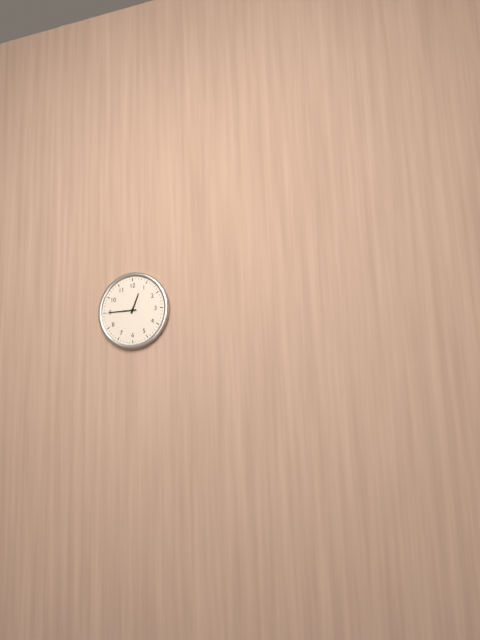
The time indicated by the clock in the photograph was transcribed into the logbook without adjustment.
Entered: 12:45
